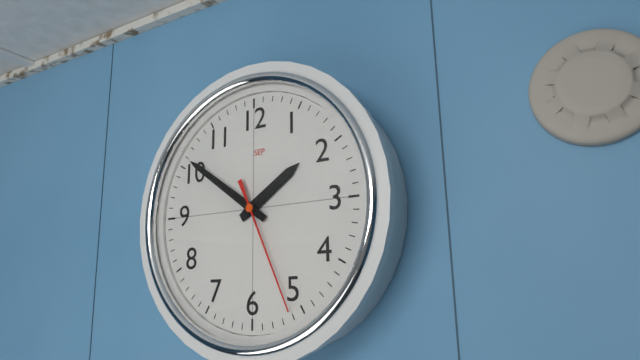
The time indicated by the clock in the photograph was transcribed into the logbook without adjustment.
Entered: 1:51:26
